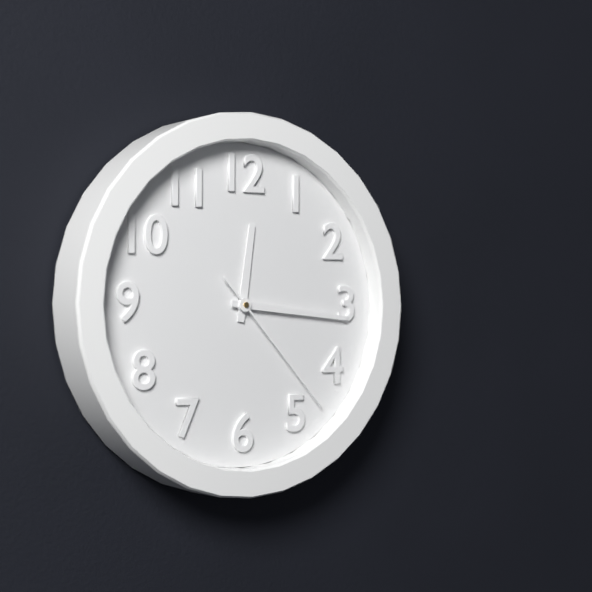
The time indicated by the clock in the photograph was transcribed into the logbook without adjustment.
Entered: 12:16:23
